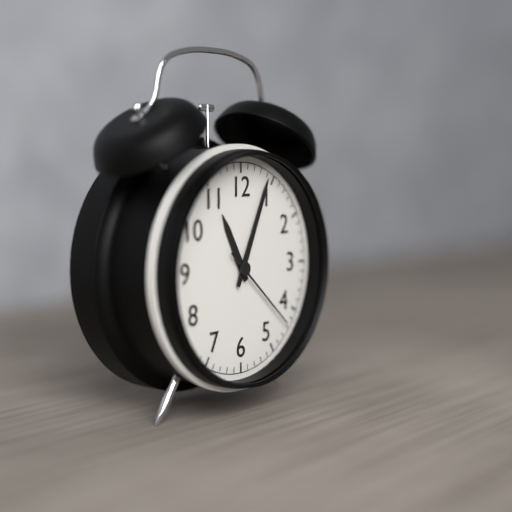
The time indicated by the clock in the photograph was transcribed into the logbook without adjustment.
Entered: 11:04:22
